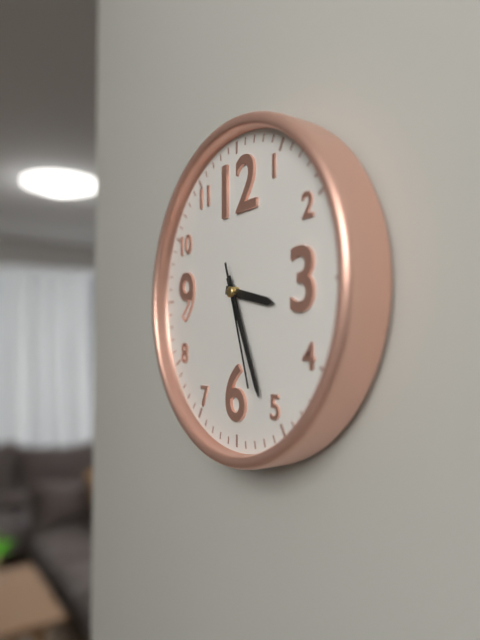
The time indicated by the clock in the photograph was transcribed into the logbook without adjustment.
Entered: 3:26:27
